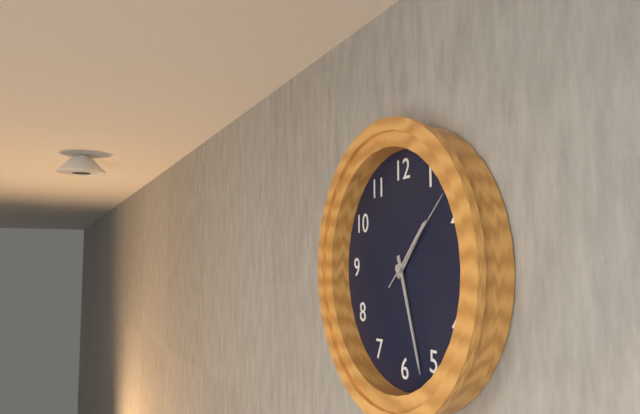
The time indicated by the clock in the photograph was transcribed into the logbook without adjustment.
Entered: 1:27:08
